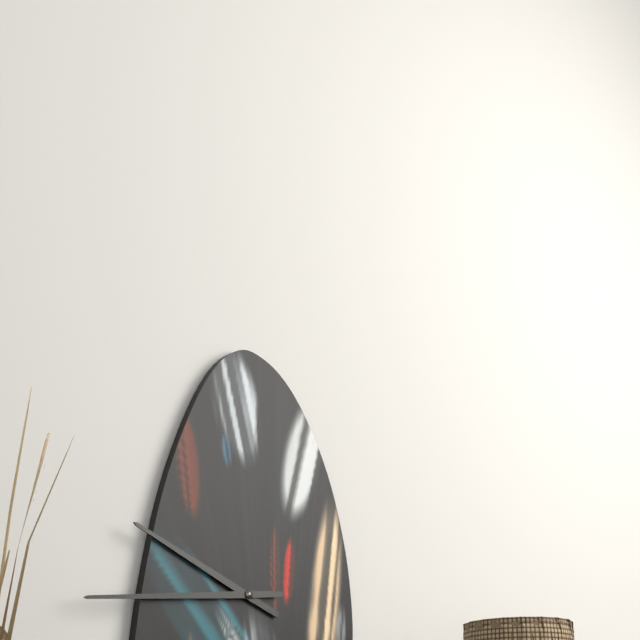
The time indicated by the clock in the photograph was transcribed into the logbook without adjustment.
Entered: 9:44
